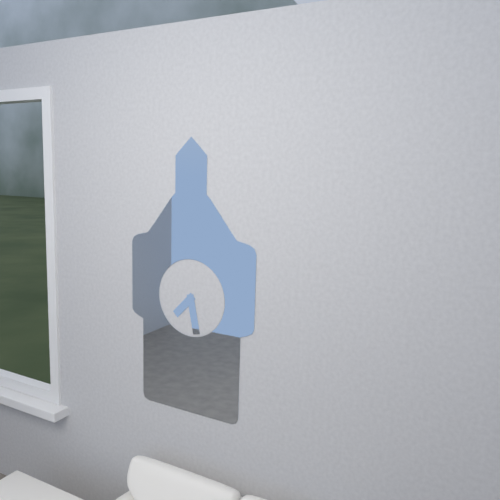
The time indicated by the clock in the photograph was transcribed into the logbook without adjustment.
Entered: 7:28
